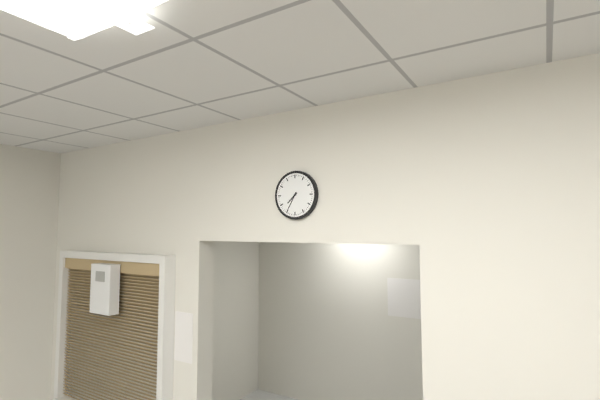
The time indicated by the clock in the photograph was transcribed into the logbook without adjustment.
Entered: 7:35
